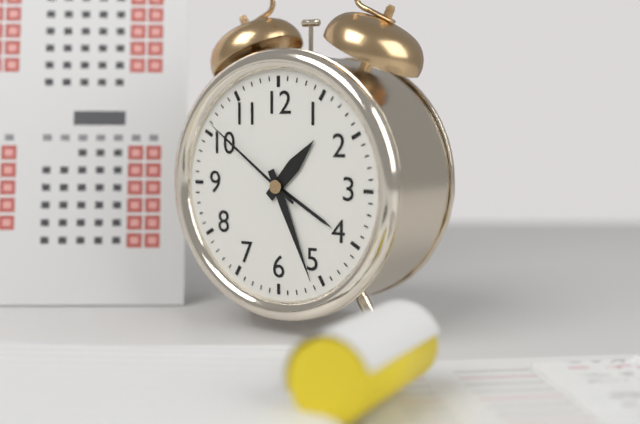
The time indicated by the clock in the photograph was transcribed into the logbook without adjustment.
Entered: 1:26:51
